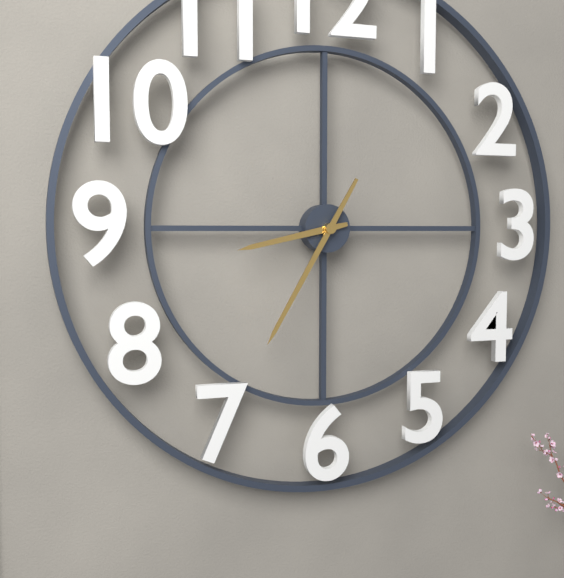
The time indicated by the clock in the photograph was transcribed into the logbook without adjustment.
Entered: 8:35
